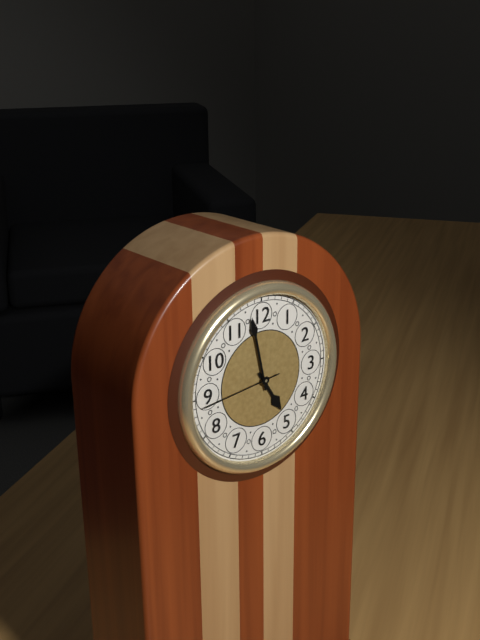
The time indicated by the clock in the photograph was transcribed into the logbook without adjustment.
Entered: 4:58:44
